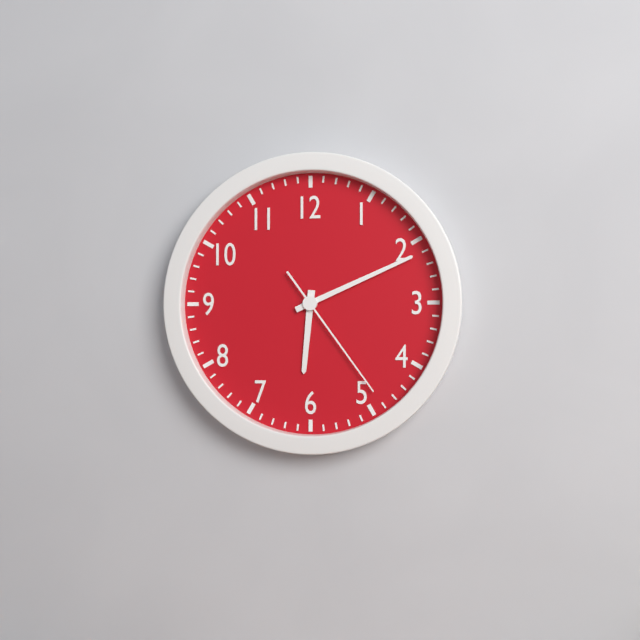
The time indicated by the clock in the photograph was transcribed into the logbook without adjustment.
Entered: 6:11:24
